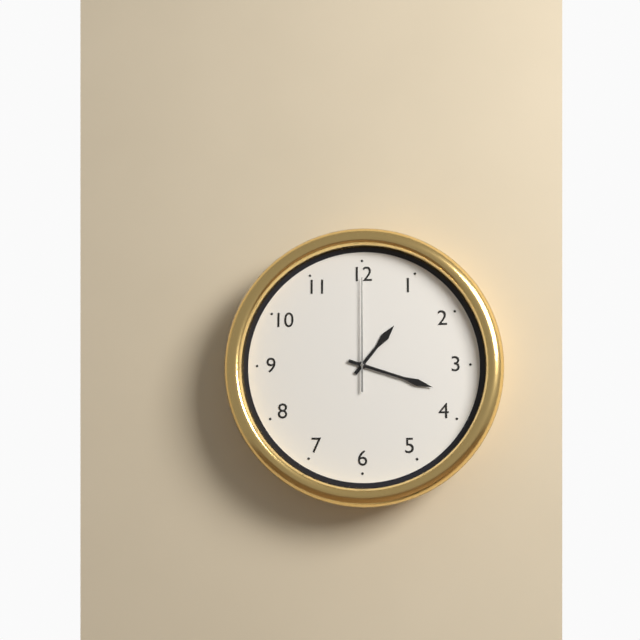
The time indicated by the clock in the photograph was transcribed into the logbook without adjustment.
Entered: 1:18:00
